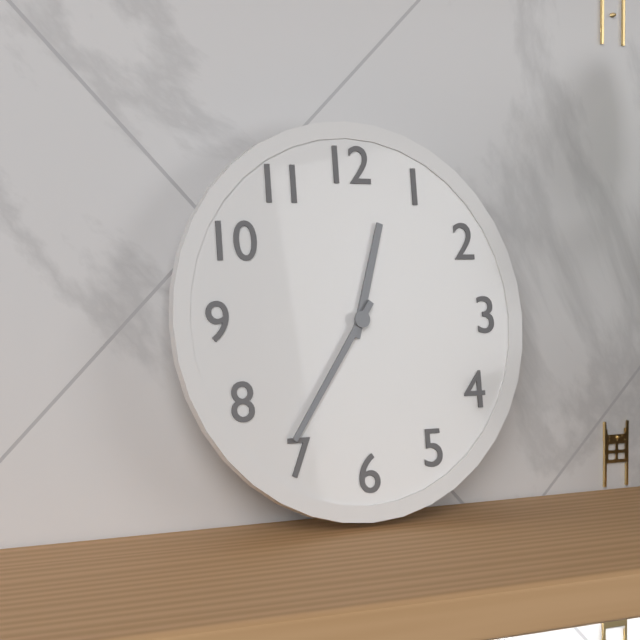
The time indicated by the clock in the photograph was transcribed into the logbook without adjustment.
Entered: 12:36
